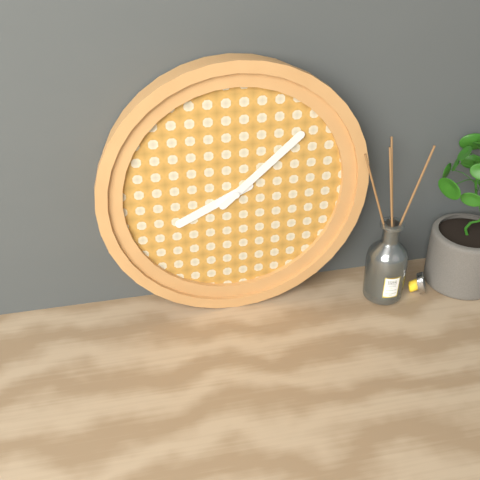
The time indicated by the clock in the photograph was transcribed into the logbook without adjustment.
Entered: 8:08
